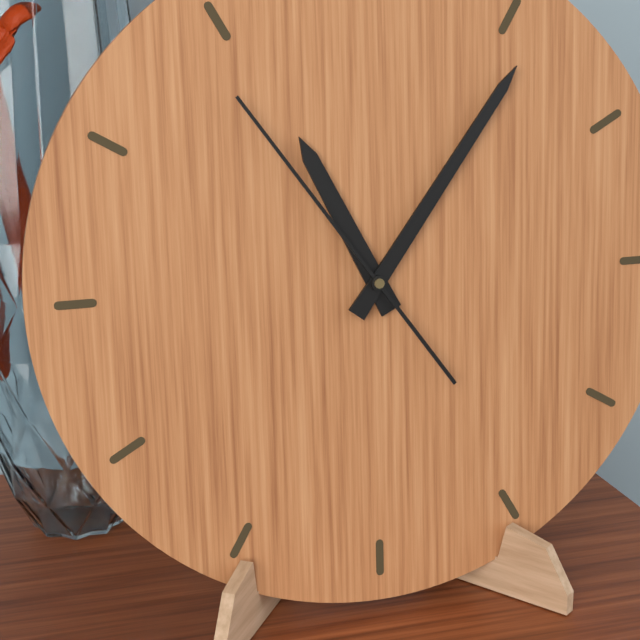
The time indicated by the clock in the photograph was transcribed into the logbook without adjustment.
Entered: 11:06:54
